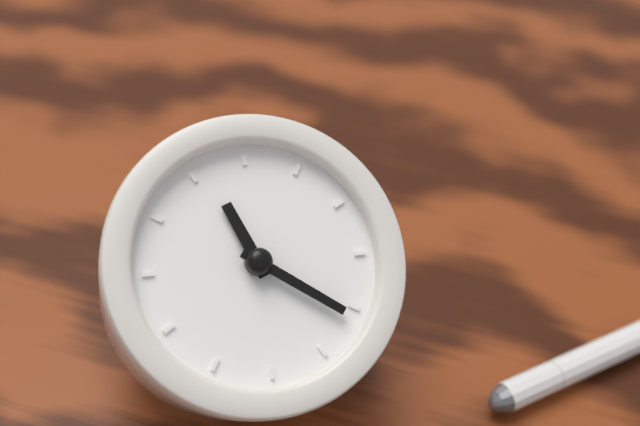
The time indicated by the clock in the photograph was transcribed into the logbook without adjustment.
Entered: 10:16
